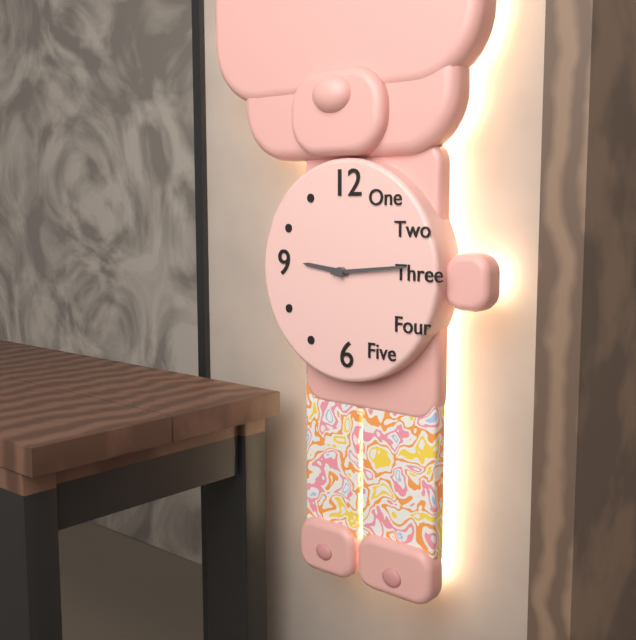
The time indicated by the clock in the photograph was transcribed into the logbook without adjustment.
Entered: 9:14
